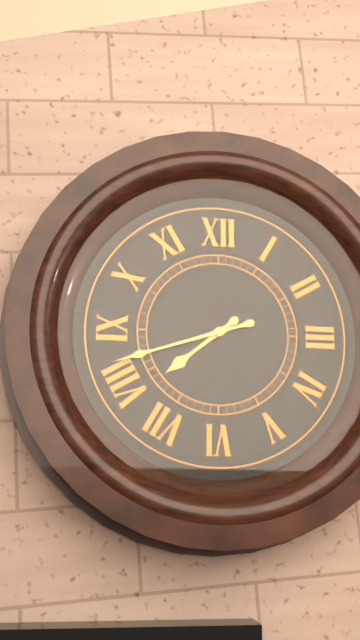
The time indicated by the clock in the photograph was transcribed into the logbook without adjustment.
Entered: 7:42
